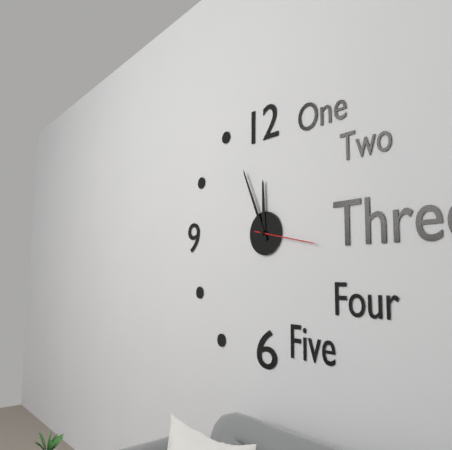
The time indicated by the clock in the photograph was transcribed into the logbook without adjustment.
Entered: 11:56:17
